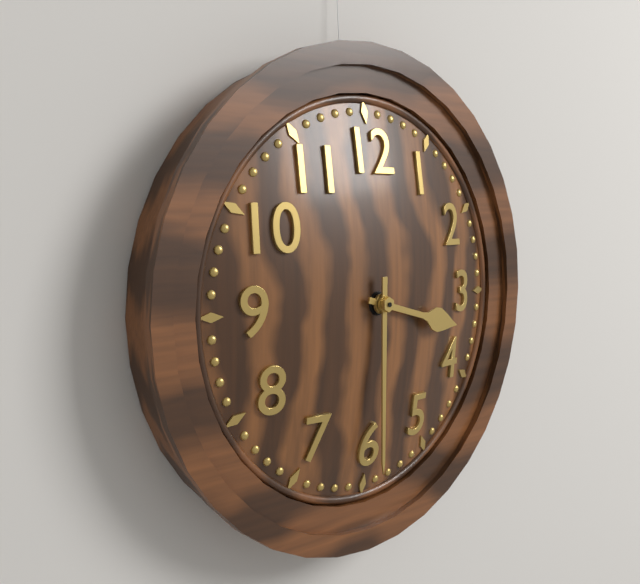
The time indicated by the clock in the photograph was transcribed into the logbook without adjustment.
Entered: 3:30
